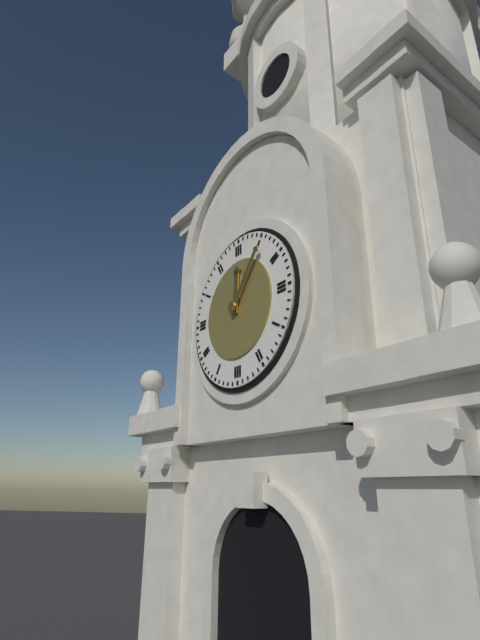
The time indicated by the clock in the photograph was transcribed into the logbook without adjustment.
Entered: 12:06
